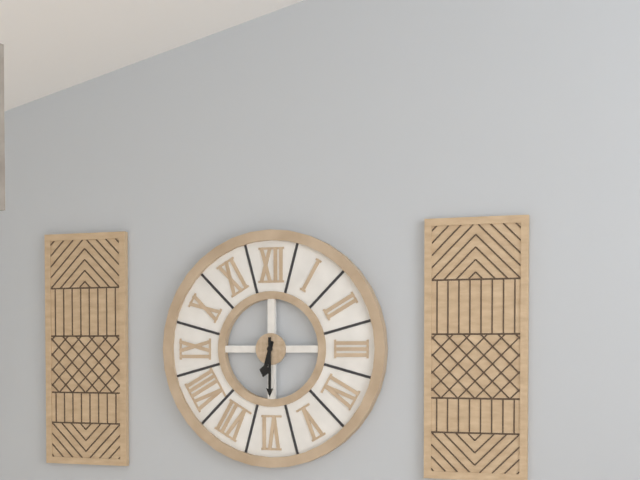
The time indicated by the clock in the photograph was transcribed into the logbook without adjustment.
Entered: 6:30
